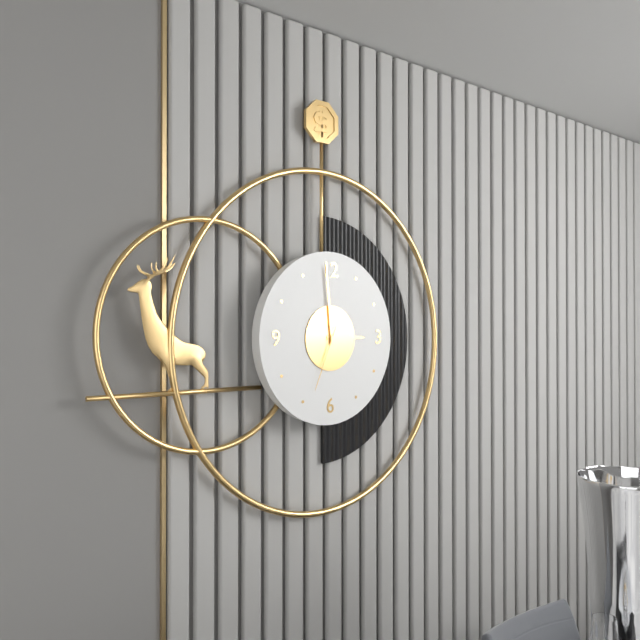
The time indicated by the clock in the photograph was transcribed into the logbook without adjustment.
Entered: 2:59:34
